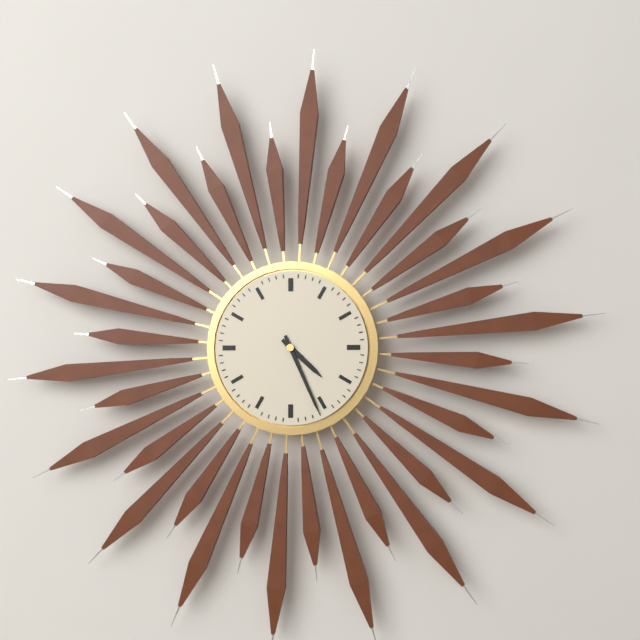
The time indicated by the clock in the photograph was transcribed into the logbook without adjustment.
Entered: 4:26
